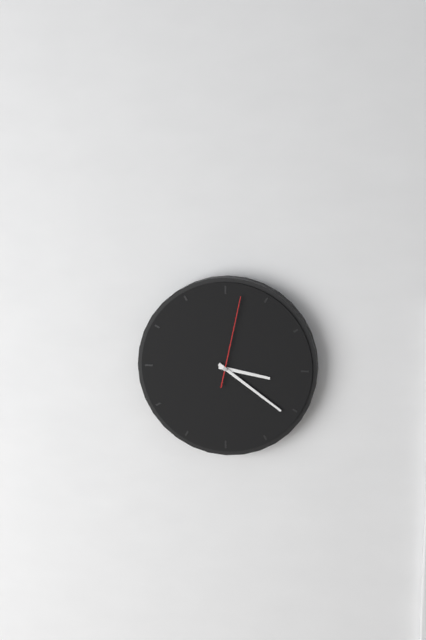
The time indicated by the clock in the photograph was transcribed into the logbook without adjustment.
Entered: 3:21:02
